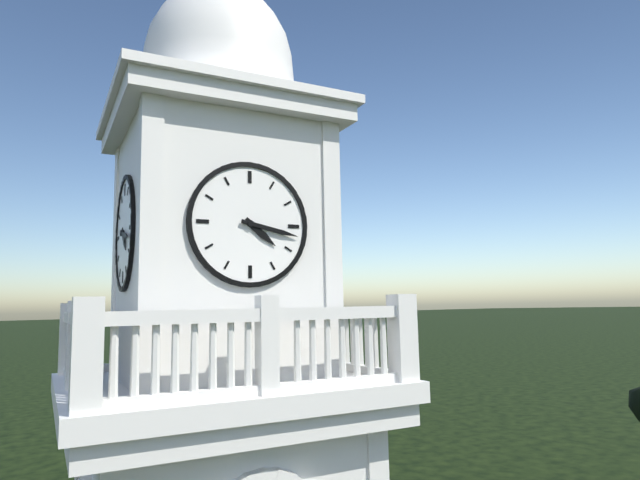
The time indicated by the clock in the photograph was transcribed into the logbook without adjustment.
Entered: 4:17
